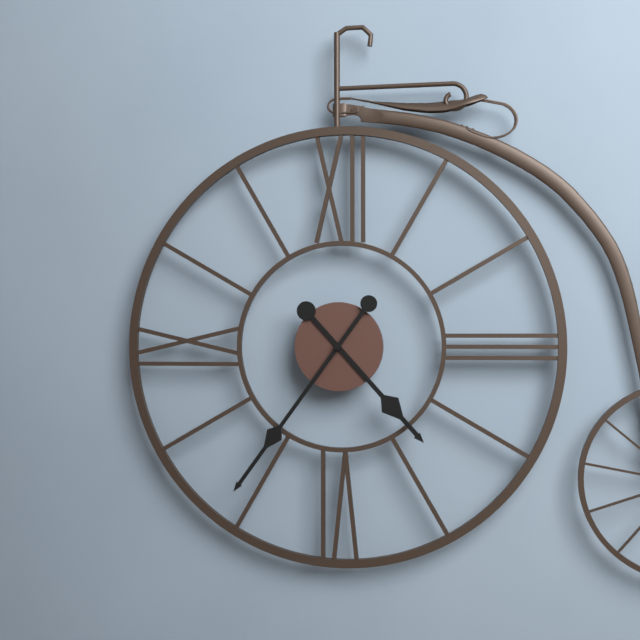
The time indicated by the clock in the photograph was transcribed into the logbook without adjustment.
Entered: 4:36
